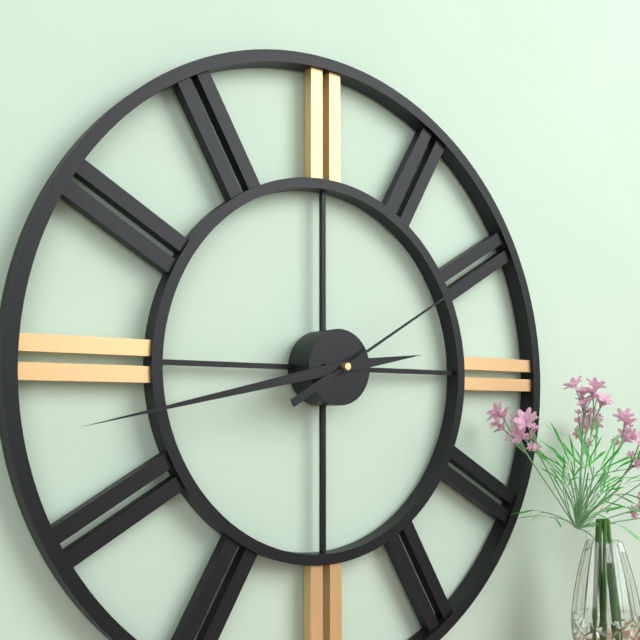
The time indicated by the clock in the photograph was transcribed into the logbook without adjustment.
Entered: 2:43:10
